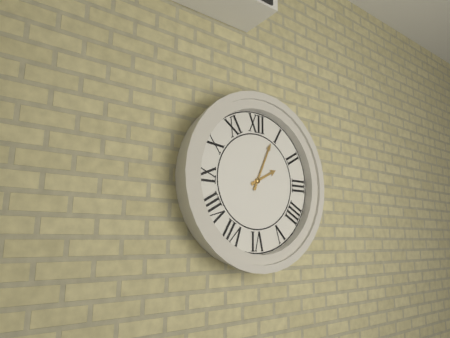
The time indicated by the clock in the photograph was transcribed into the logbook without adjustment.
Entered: 2:04
